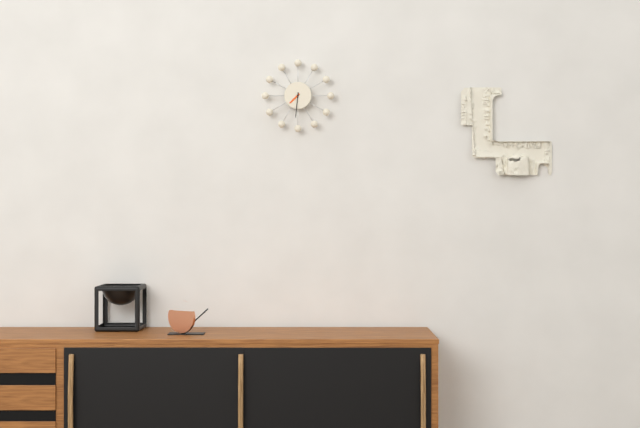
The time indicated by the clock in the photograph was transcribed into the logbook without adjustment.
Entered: 7:31
